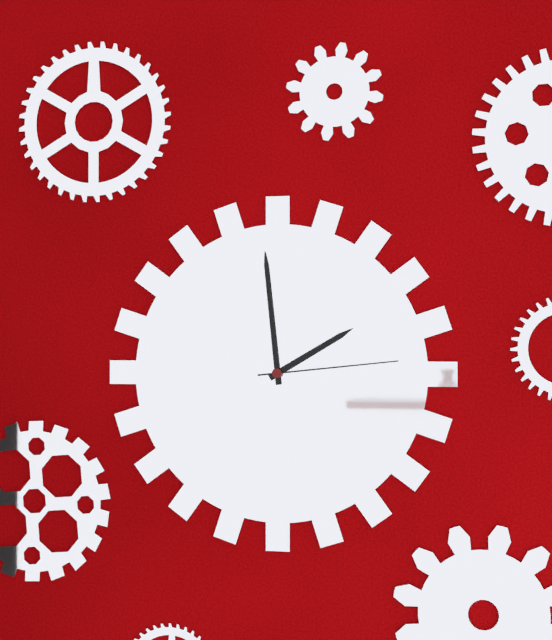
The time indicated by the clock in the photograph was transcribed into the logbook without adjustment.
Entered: 1:59:14
